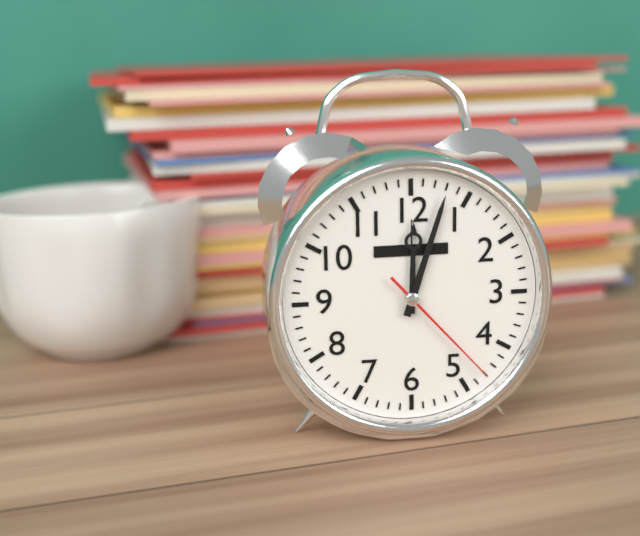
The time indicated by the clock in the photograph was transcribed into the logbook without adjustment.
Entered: 12:03:23
